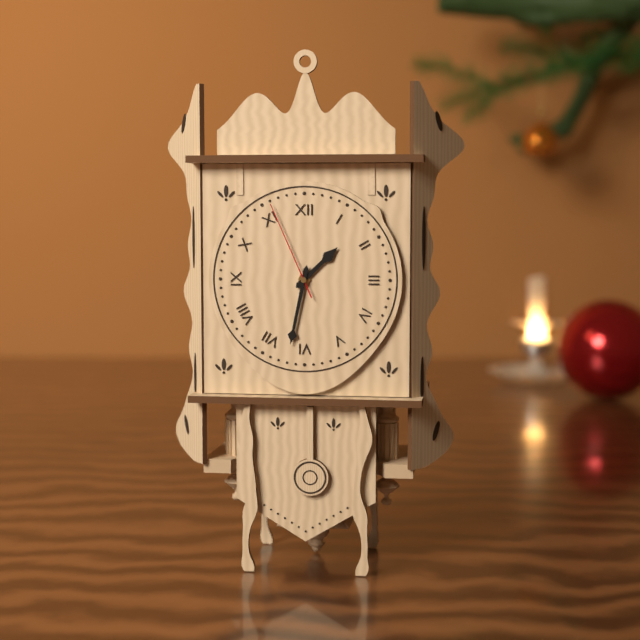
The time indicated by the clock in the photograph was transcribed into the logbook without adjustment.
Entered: 1:32:56
